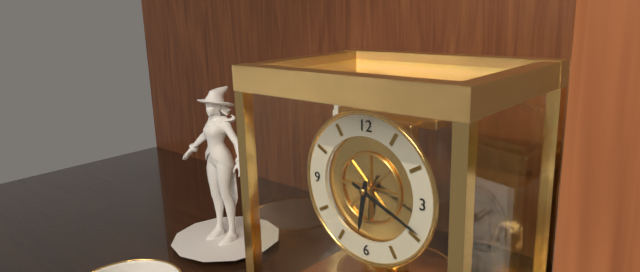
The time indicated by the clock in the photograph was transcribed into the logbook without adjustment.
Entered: 6:19
